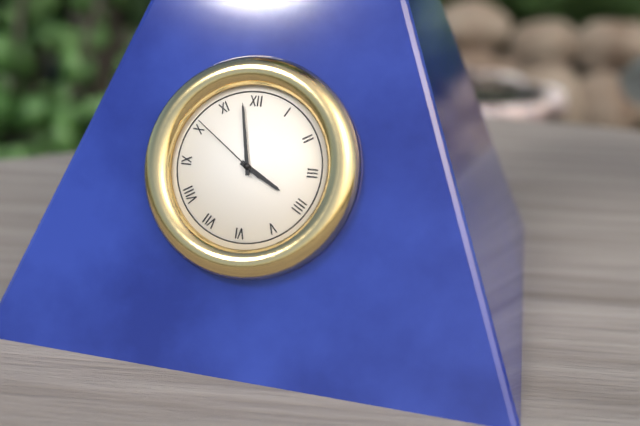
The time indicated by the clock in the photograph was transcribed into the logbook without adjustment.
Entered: 3:58:51
